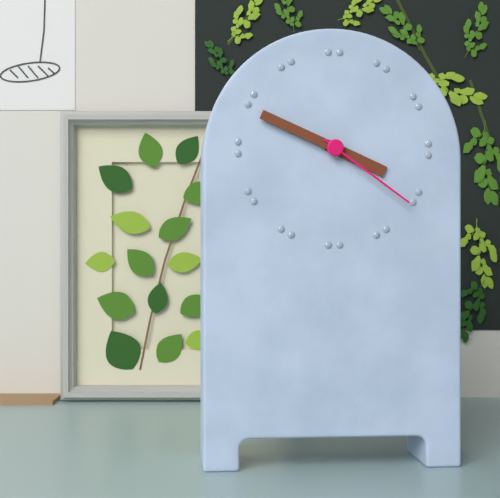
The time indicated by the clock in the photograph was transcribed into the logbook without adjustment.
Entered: 3:49:21
